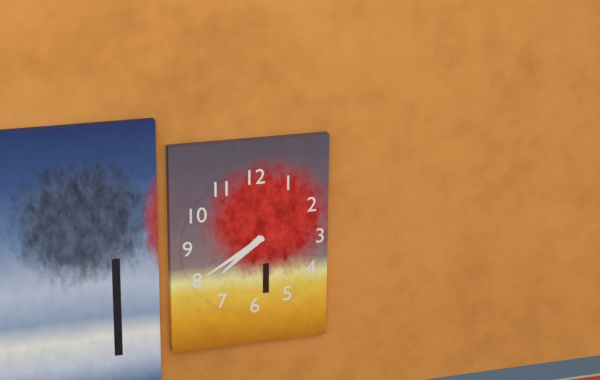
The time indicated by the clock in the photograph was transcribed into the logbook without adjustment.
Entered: 7:40
